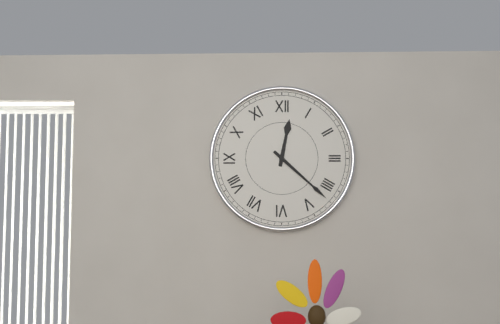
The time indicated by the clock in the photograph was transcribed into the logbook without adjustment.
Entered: 12:22
